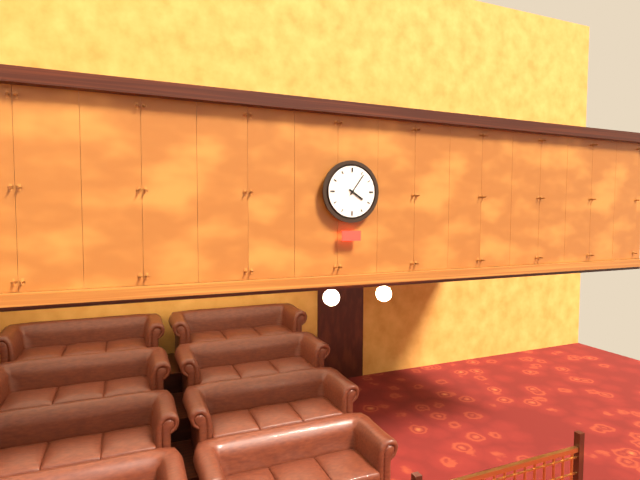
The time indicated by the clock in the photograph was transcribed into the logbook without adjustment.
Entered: 4:06
